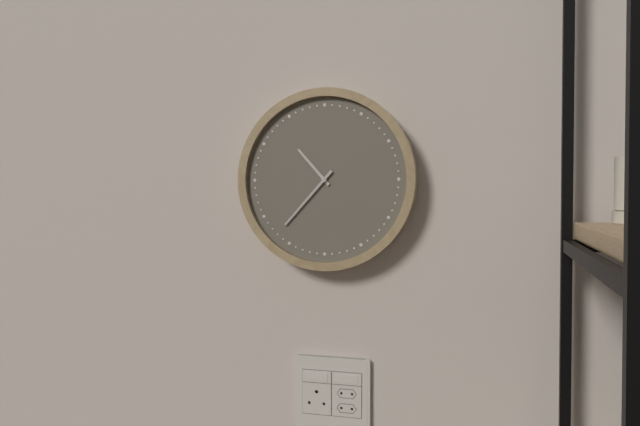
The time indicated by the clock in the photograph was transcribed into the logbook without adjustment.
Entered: 10:37
